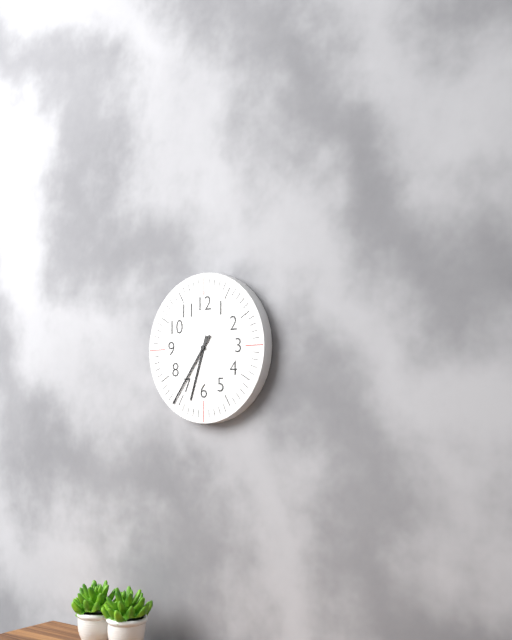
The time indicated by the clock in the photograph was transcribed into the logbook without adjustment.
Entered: 6:36
